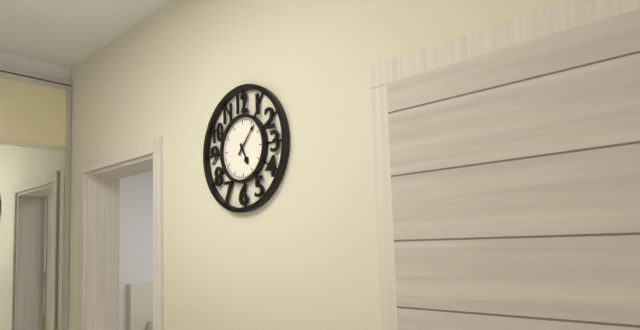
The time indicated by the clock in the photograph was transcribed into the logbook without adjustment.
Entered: 5:07
